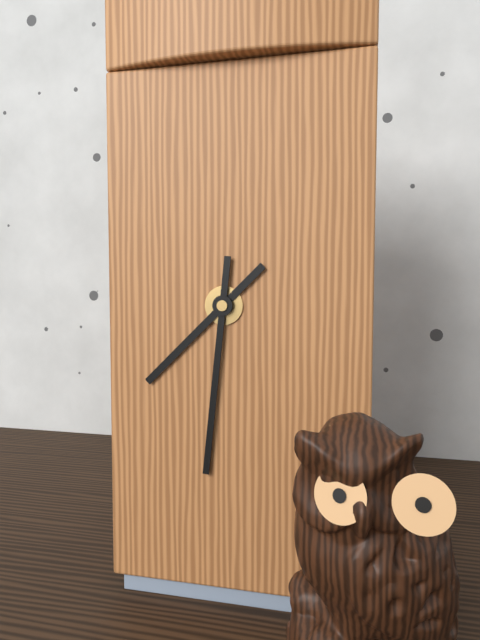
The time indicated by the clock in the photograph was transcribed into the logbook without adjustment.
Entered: 7:31
